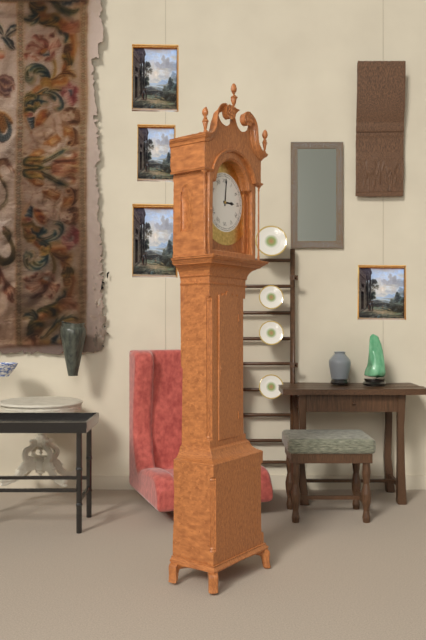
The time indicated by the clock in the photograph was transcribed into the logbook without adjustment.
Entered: 3:01
